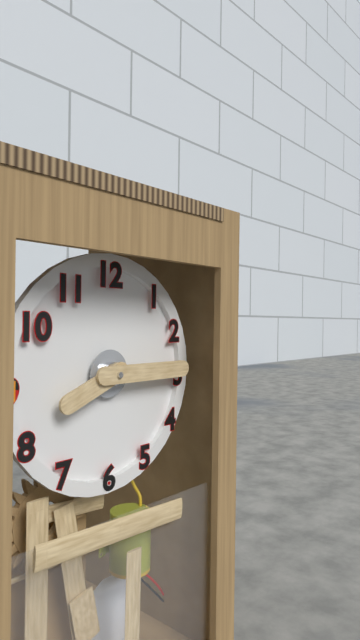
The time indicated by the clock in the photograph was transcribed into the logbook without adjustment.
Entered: 8:15
